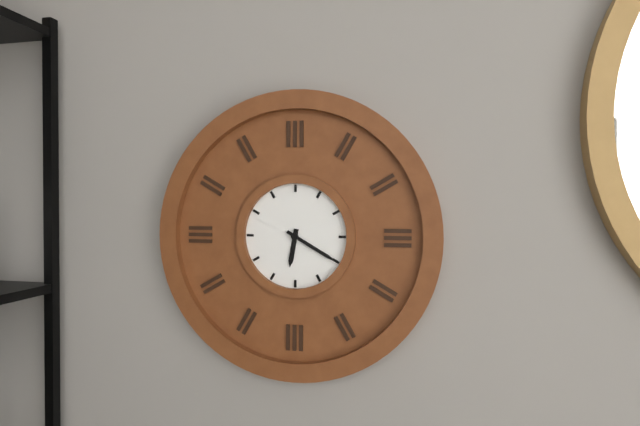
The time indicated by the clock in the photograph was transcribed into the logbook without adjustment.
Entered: 6:20
